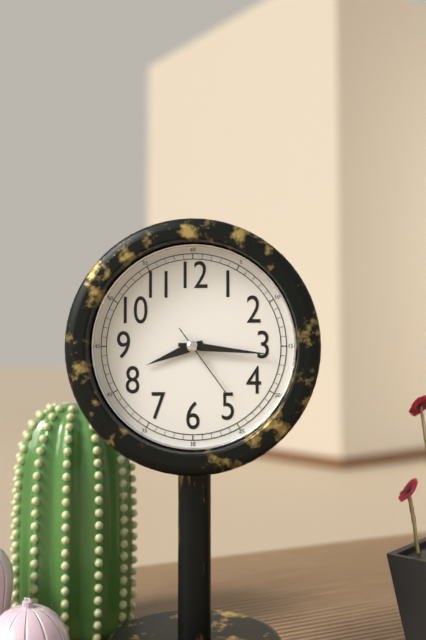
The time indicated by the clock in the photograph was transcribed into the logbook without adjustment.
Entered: 8:16:24
